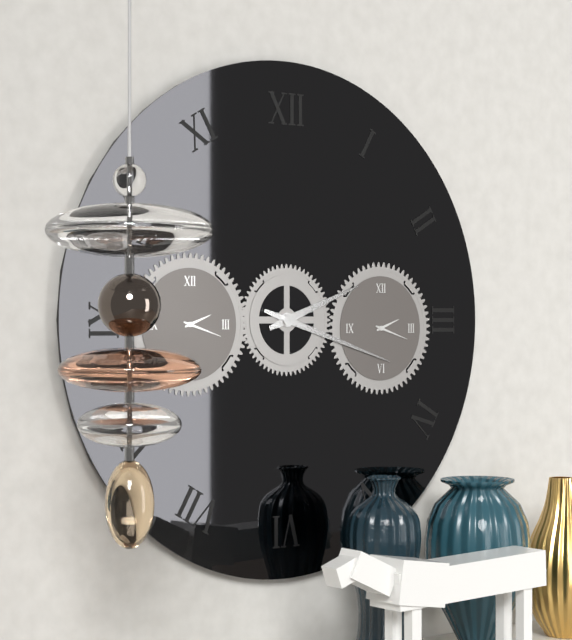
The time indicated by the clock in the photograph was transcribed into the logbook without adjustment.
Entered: 2:18
